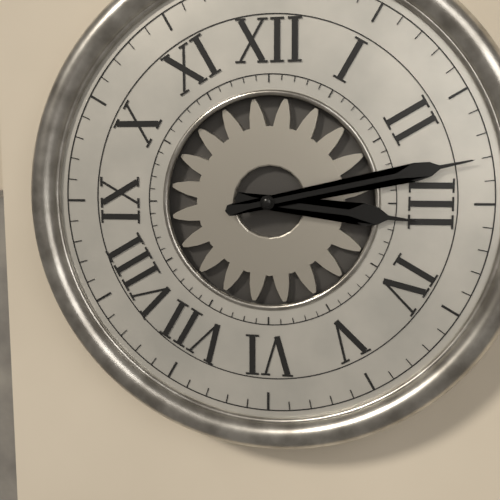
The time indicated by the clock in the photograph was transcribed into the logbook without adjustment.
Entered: 3:13
